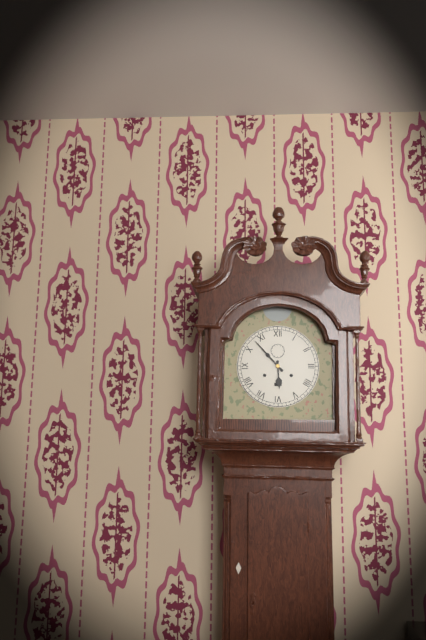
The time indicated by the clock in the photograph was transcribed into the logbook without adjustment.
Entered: 5:53
